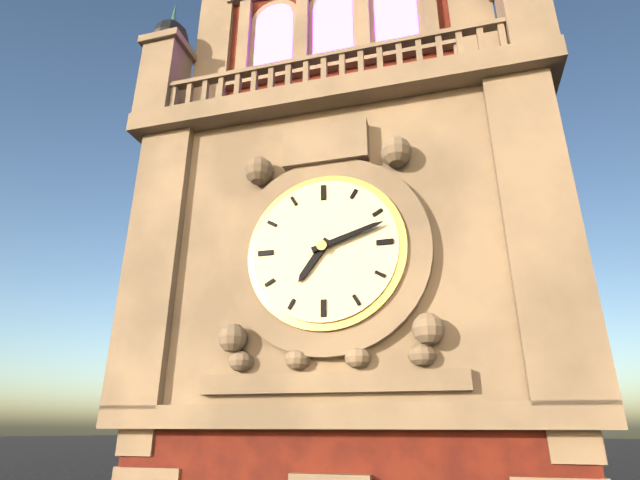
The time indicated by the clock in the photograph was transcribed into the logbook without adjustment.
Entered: 7:12
